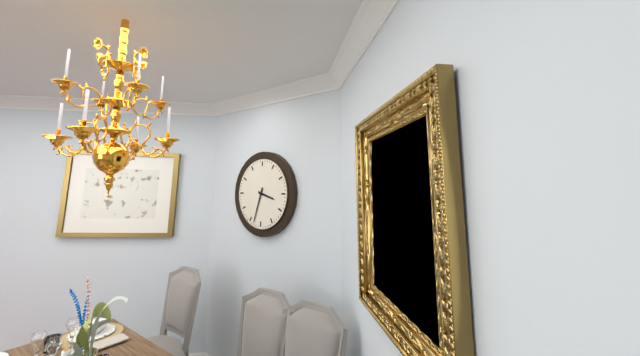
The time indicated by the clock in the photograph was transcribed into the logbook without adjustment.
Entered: 3:33
